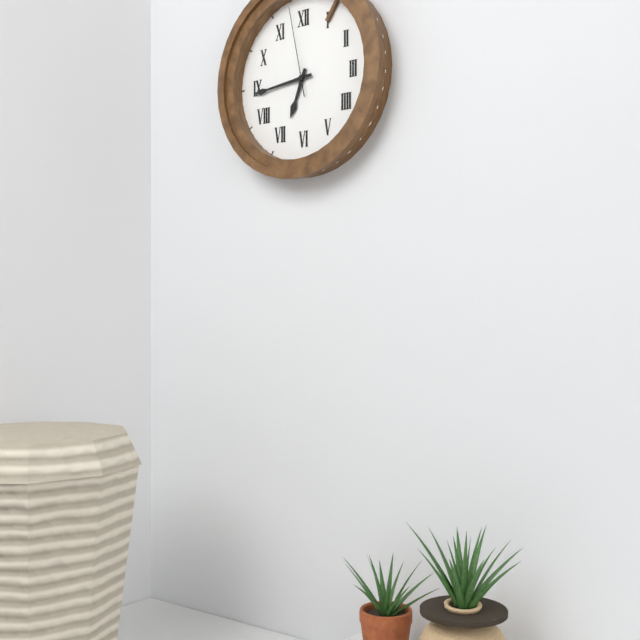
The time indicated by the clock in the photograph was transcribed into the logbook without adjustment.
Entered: 6:44:58
